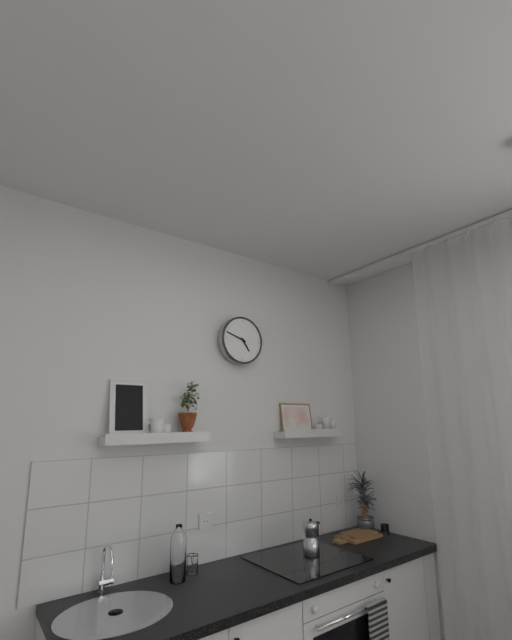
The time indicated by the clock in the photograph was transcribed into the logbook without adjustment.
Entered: 4:48
